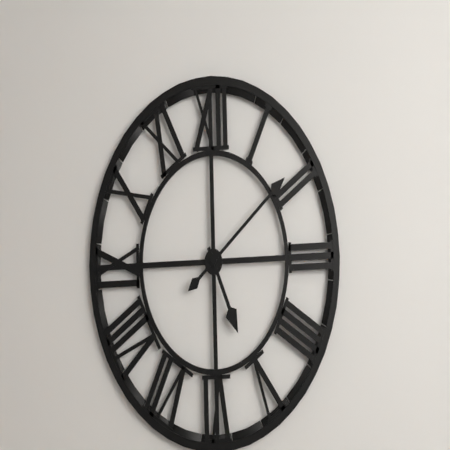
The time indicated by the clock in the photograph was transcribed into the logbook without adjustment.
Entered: 5:09
